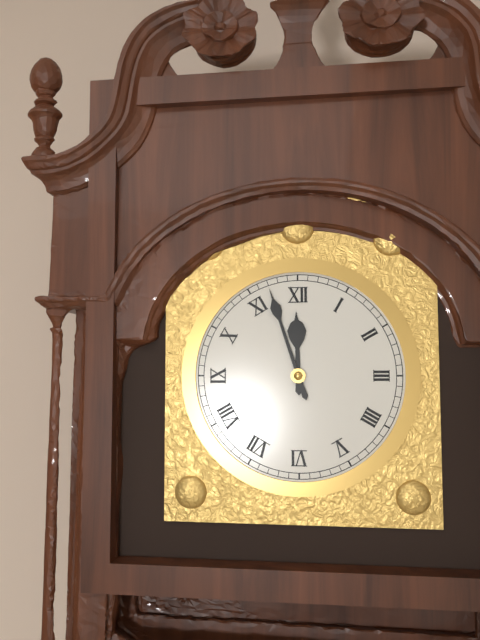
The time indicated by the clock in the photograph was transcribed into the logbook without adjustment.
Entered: 11:57
